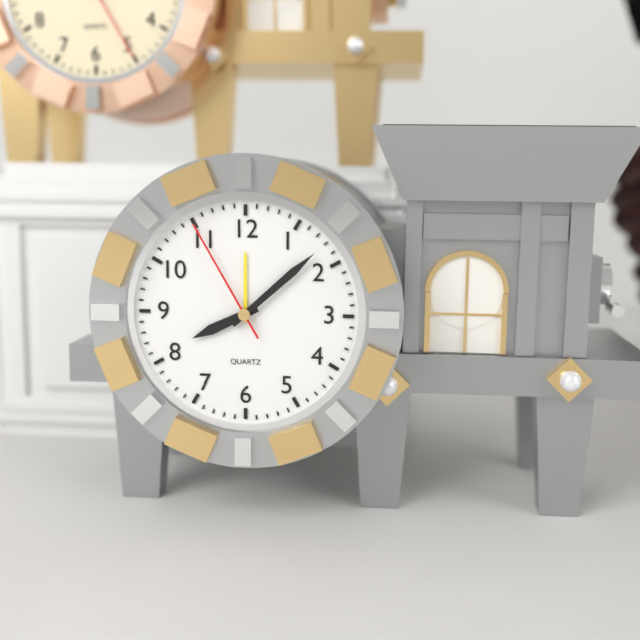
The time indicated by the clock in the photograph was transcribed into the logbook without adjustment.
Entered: 8:08:55
